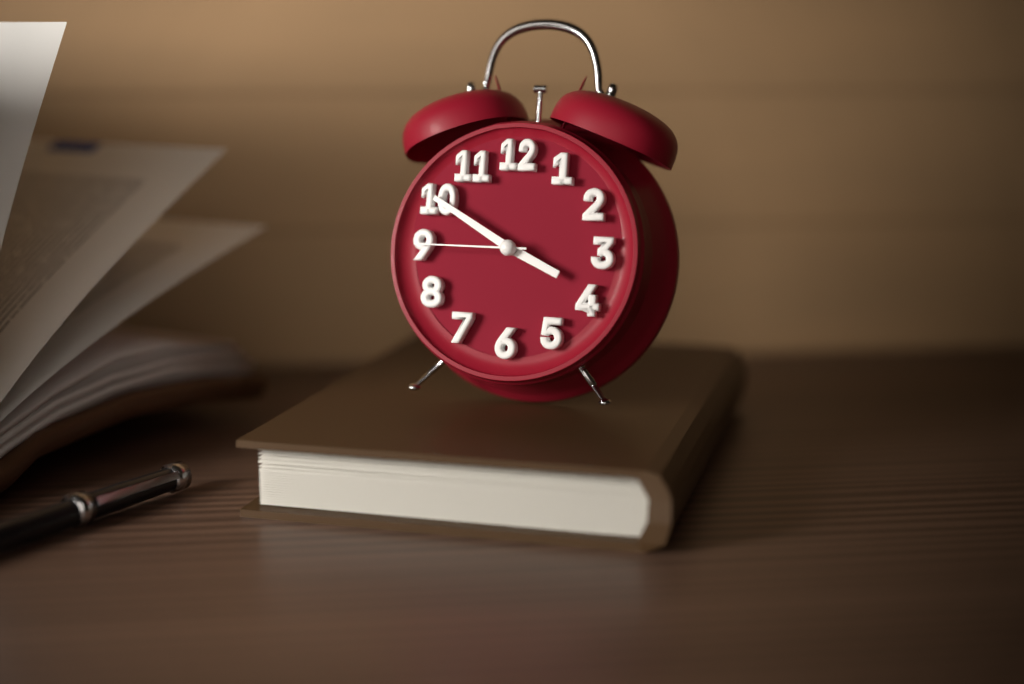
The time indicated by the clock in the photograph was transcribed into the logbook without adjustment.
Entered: 3:50:45
